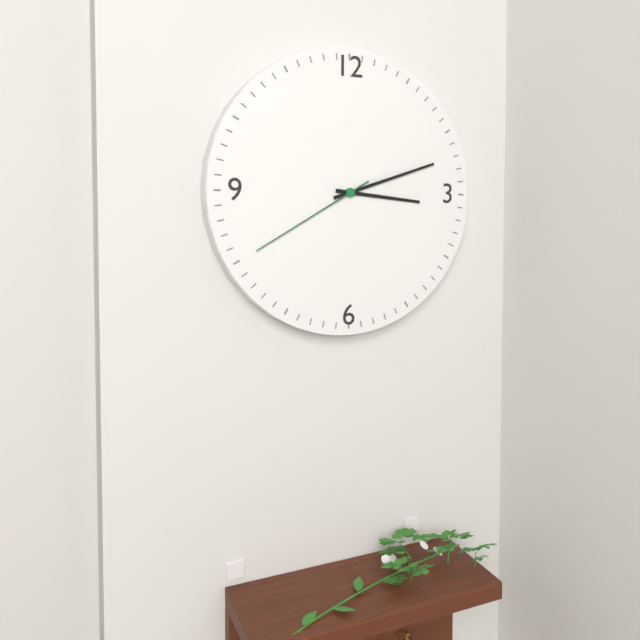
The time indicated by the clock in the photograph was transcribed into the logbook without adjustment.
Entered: 3:12:40
